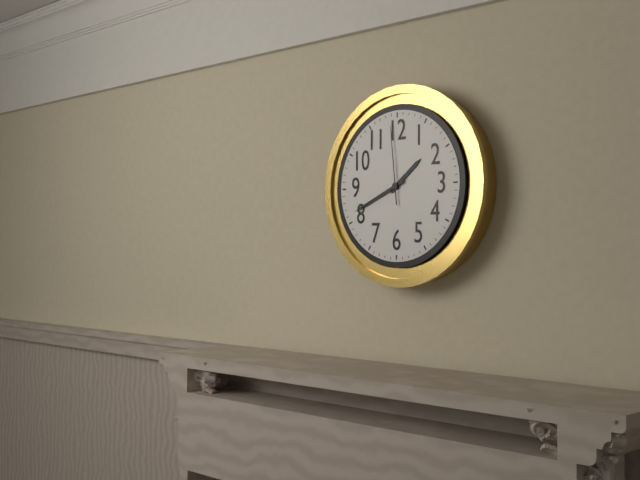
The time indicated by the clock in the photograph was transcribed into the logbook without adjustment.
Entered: 1:41:59
